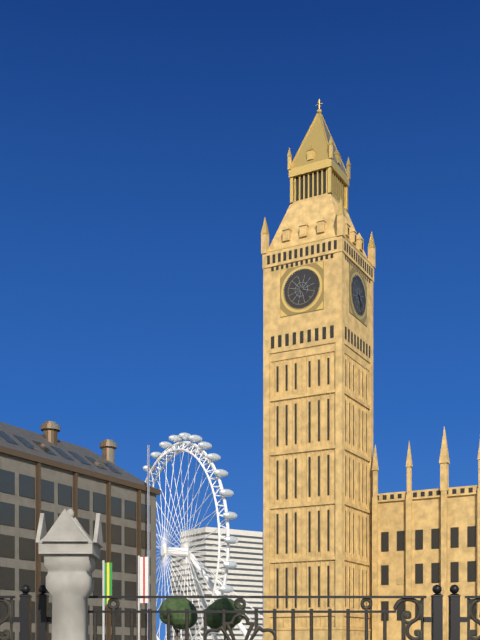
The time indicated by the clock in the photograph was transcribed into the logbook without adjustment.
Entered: 4:25
